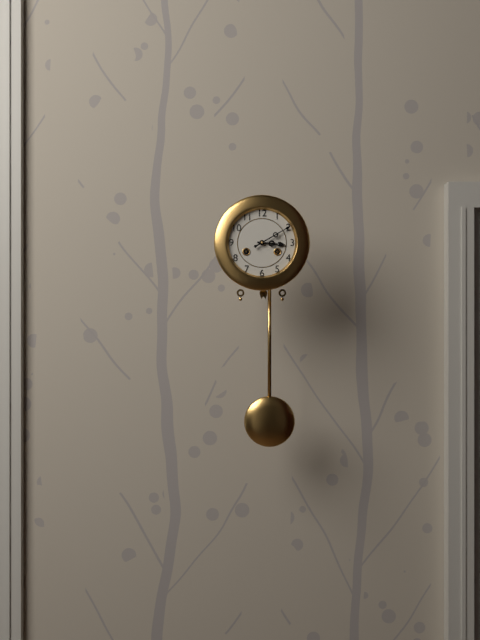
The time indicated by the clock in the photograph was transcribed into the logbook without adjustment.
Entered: 3:10
